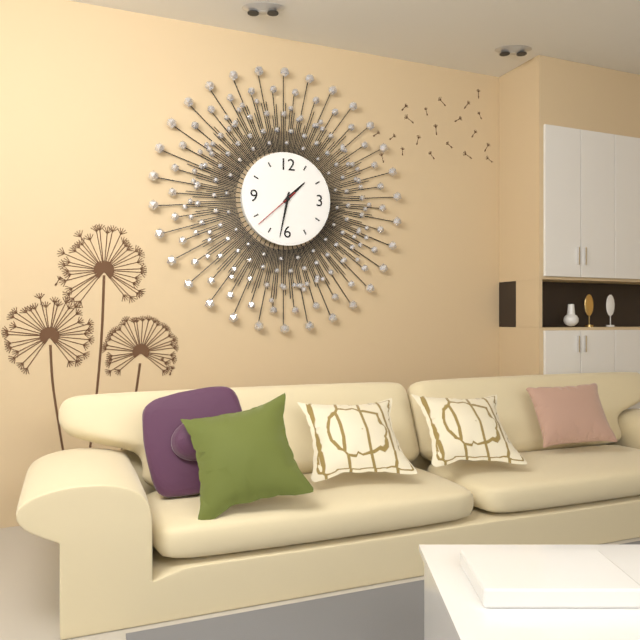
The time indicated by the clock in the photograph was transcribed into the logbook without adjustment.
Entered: 1:32
